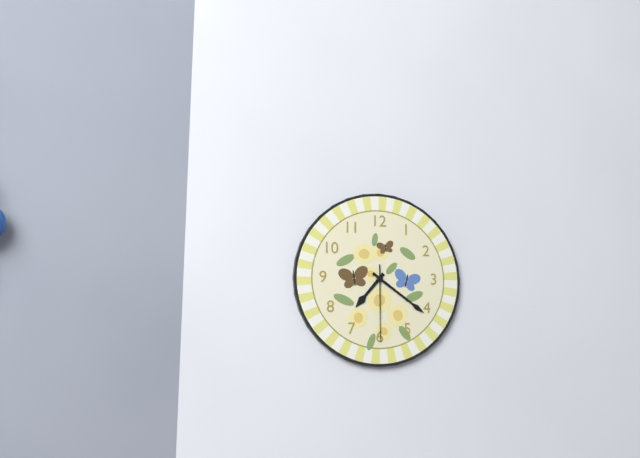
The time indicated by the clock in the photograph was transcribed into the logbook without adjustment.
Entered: 7:21:30
